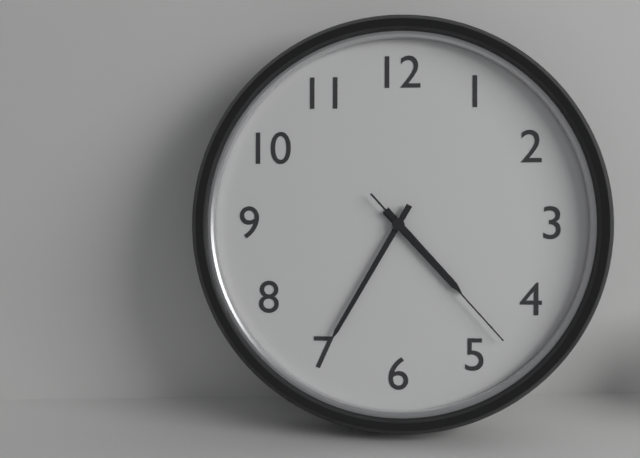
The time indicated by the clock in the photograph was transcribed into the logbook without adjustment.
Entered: 4:35:23
